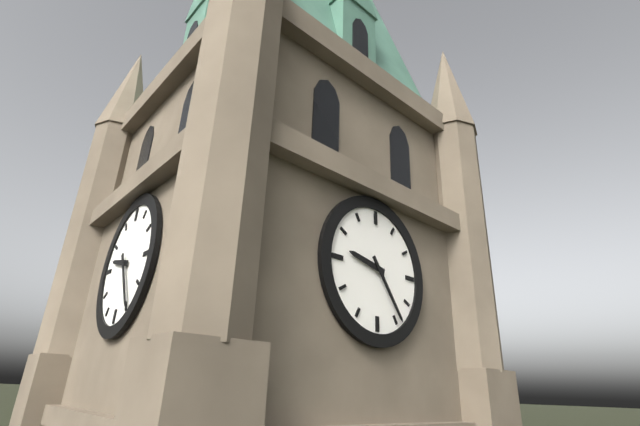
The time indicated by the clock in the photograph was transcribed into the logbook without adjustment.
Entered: 9:24
